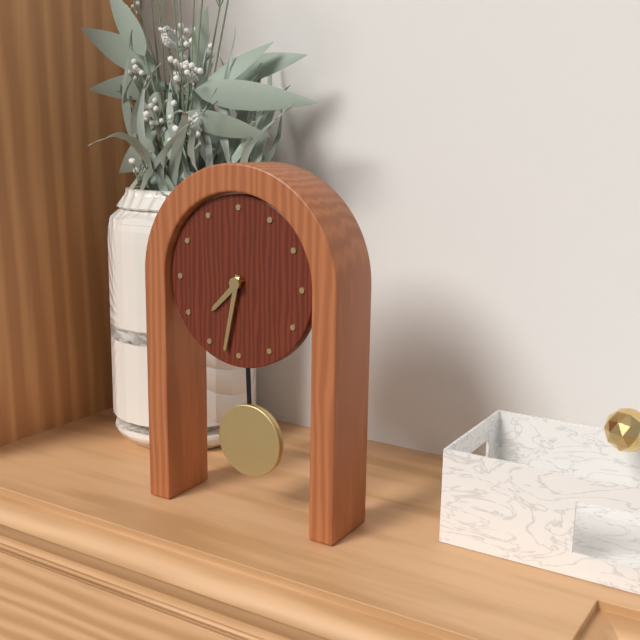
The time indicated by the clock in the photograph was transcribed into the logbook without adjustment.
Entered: 7:32
